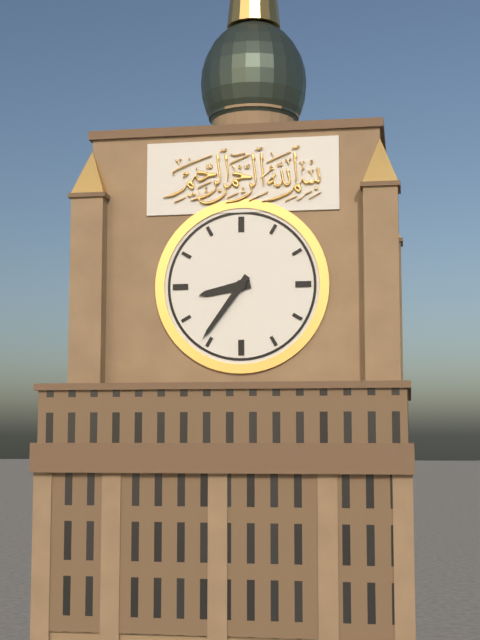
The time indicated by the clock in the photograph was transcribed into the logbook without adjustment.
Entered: 8:36
